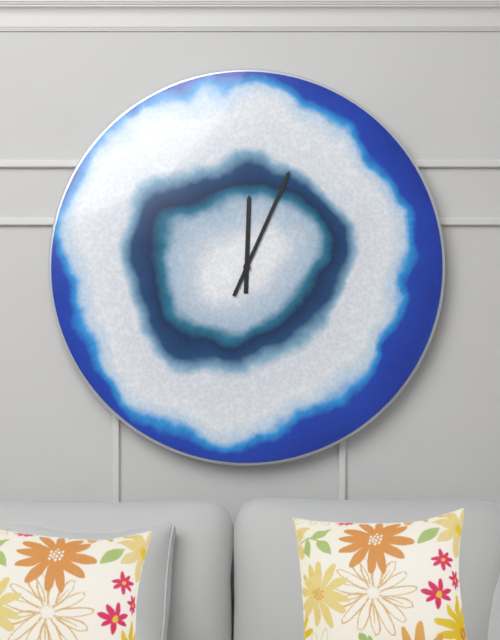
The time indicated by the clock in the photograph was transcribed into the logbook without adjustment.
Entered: 12:04
